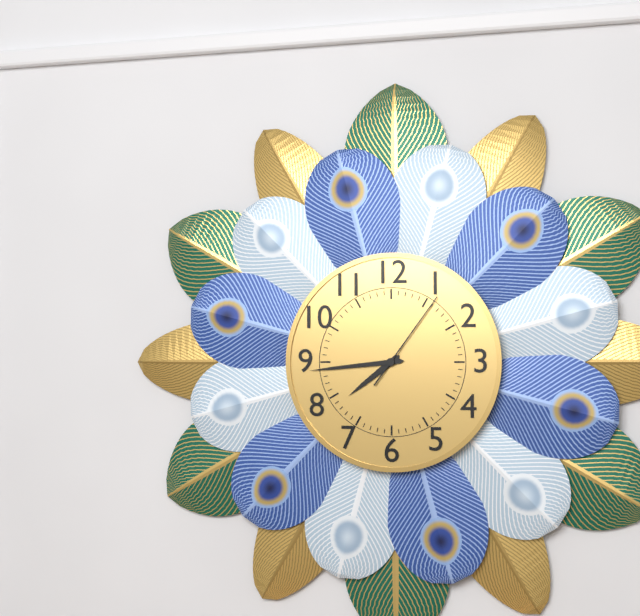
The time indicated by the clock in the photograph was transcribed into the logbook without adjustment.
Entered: 7:44:06
